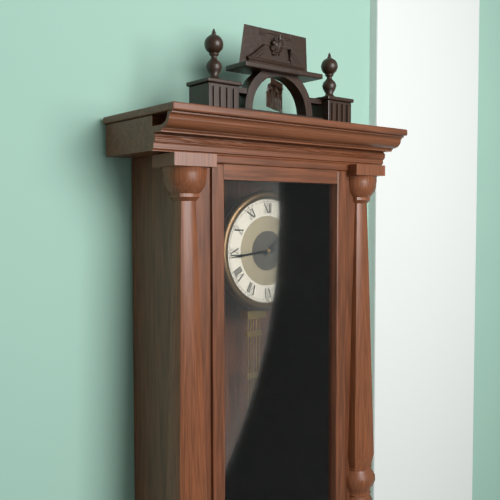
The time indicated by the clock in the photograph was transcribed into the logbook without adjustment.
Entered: 1:44
